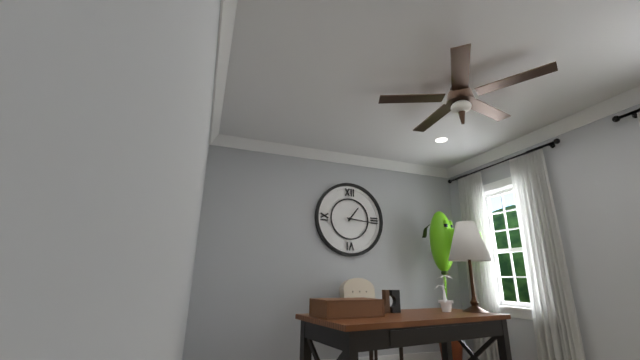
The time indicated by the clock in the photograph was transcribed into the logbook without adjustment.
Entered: 1:16
